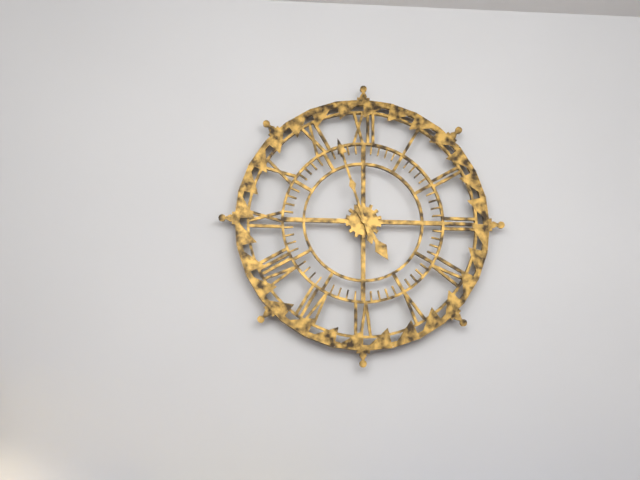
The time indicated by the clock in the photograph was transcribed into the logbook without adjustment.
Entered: 4:57
